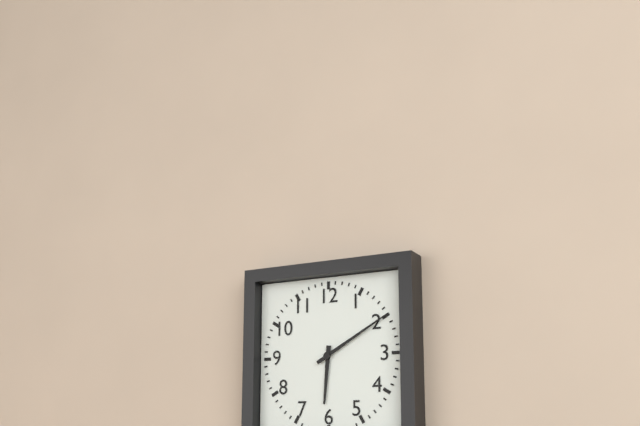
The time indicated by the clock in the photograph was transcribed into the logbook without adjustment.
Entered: 6:10
